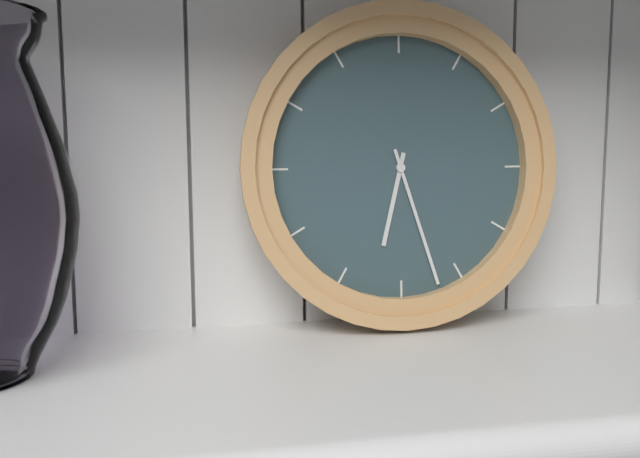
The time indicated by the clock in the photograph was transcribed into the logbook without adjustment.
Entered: 6:27
